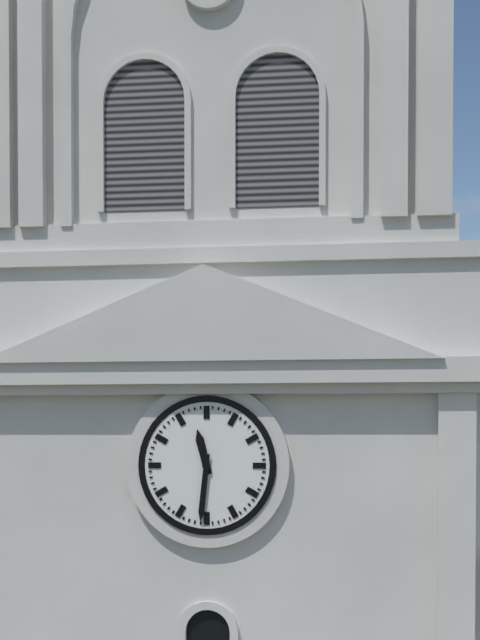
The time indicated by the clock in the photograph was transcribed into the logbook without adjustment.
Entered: 11:31
